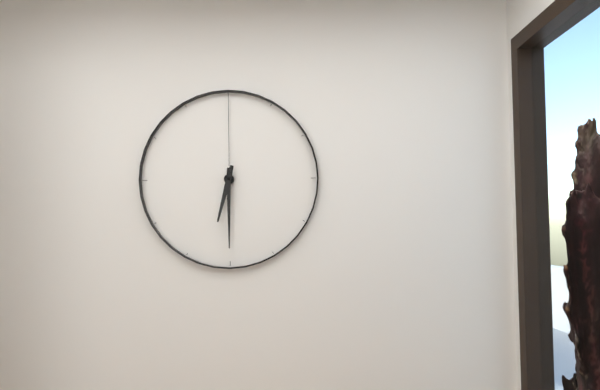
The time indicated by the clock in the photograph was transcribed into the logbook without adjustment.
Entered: 6:30
